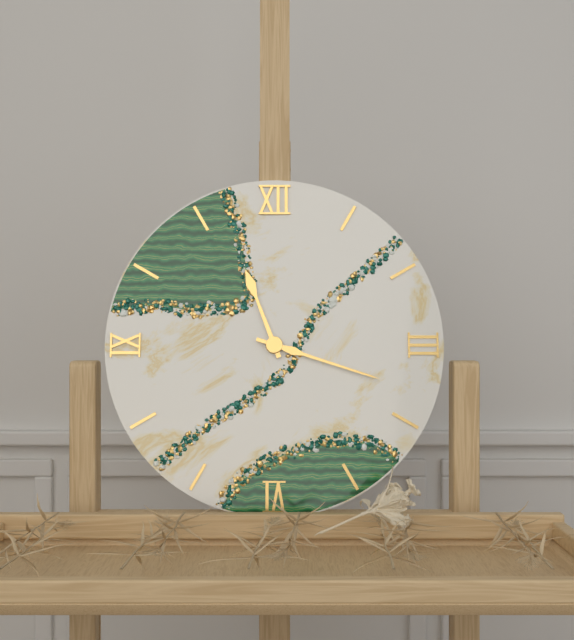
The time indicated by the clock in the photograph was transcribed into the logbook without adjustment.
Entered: 11:18
